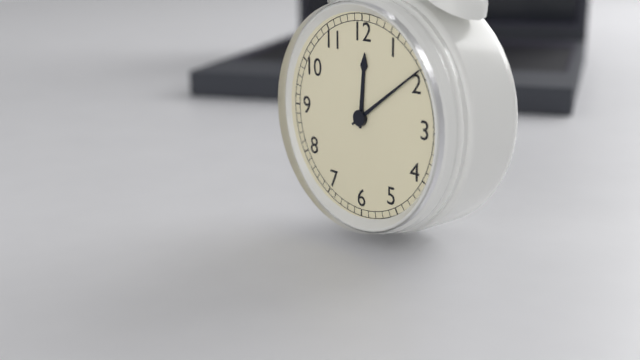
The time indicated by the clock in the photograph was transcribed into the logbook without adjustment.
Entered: 12:09
